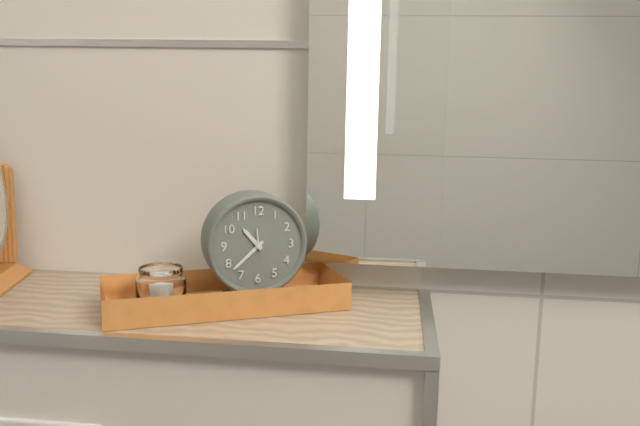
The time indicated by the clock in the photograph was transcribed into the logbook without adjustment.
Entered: 10:38
